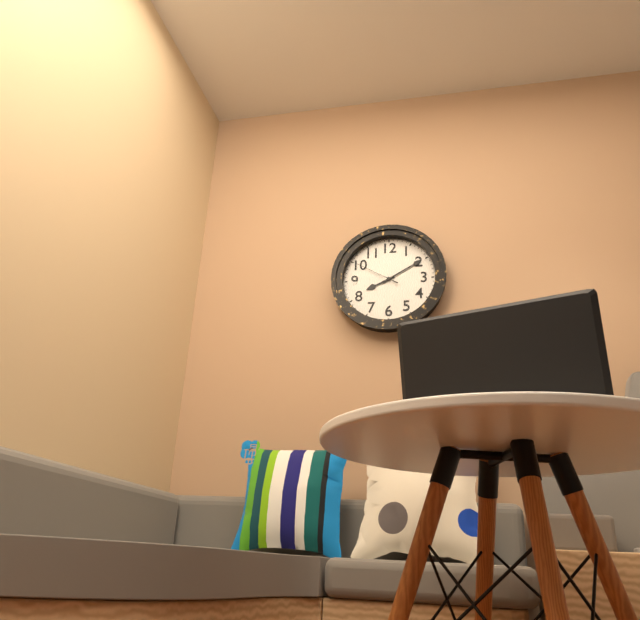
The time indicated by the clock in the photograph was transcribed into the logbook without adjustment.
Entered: 8:10
